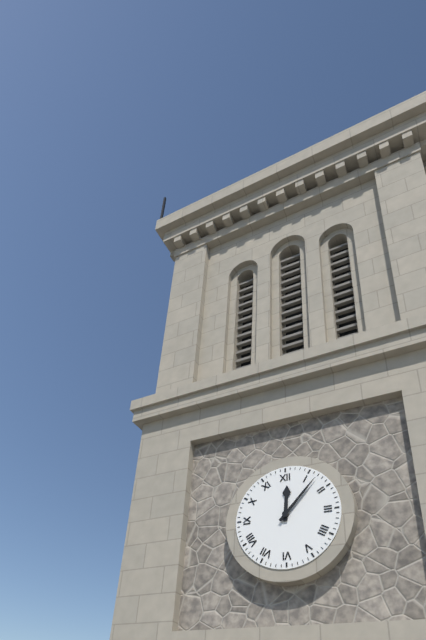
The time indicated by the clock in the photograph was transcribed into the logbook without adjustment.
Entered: 12:07
